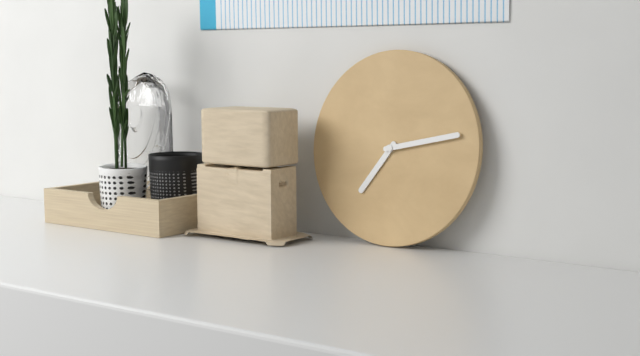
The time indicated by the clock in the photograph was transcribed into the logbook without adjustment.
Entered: 7:13
